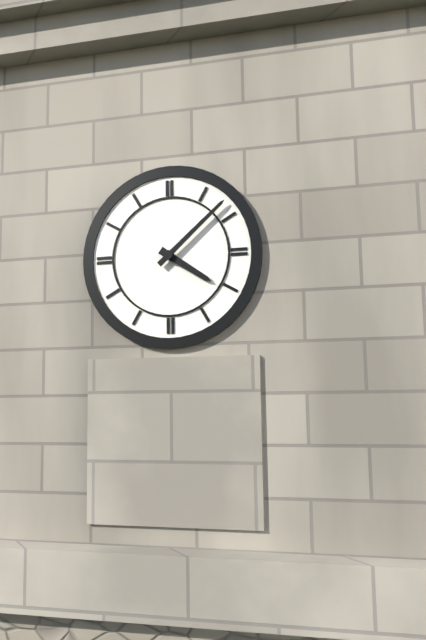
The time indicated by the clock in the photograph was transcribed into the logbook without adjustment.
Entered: 4:08
